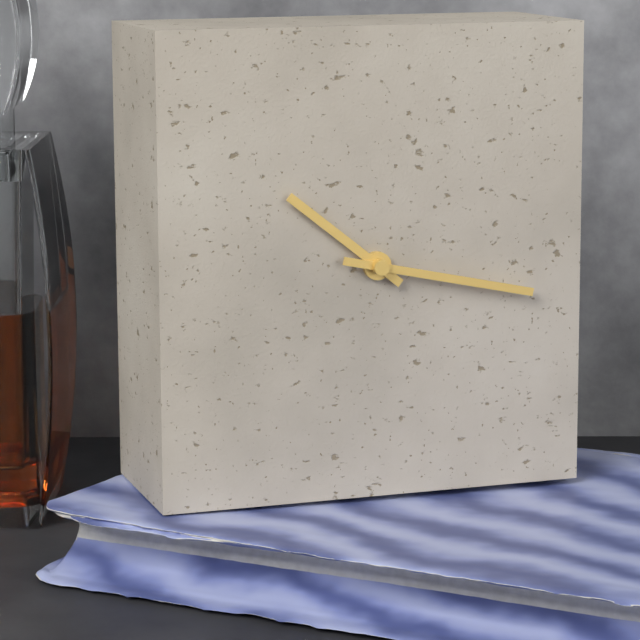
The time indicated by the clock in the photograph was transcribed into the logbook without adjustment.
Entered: 10:17
